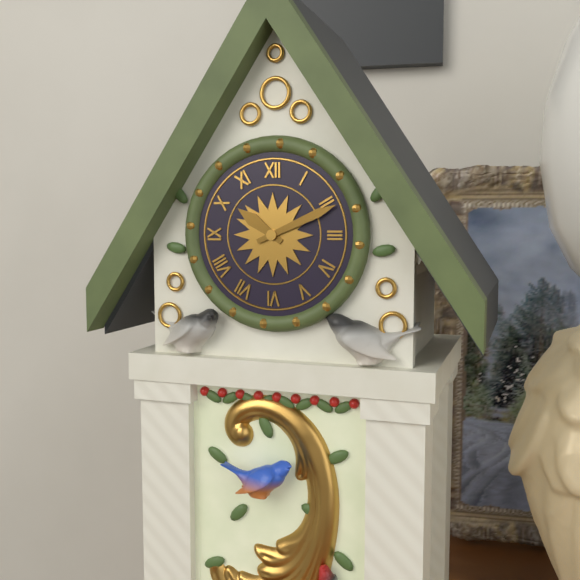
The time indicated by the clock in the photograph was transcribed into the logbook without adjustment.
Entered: 10:11
